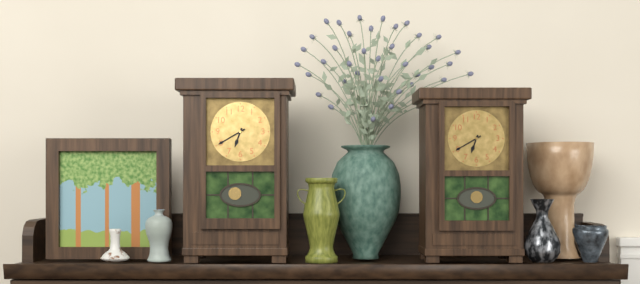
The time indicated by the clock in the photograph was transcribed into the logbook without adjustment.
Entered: 6:40
